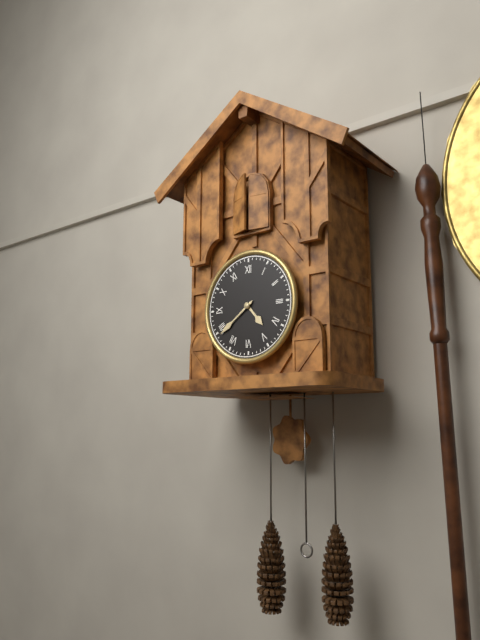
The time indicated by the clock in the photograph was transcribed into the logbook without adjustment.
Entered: 4:39
